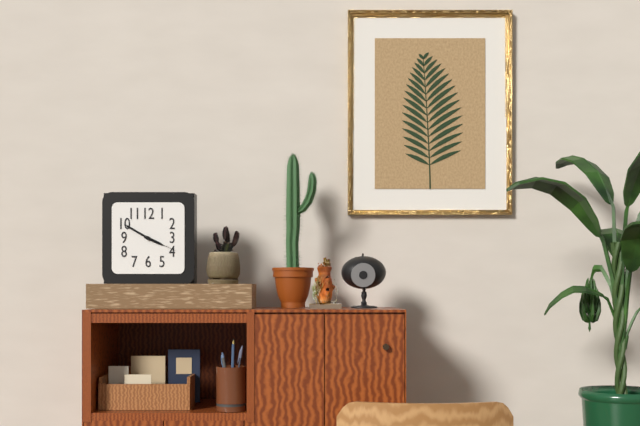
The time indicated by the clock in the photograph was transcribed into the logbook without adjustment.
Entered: 3:50
